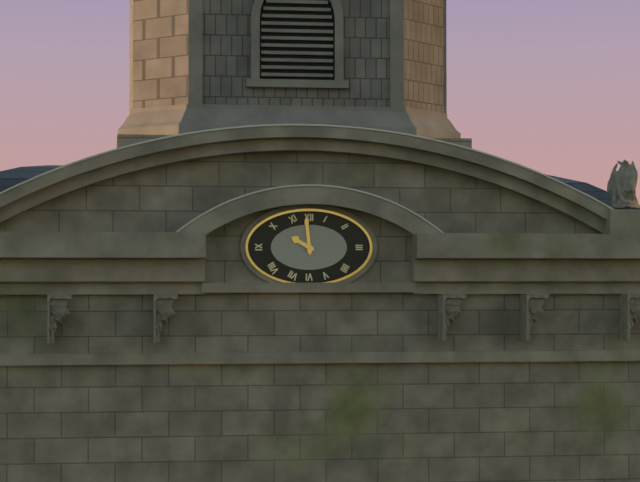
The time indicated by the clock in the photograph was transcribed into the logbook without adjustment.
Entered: 9:59
